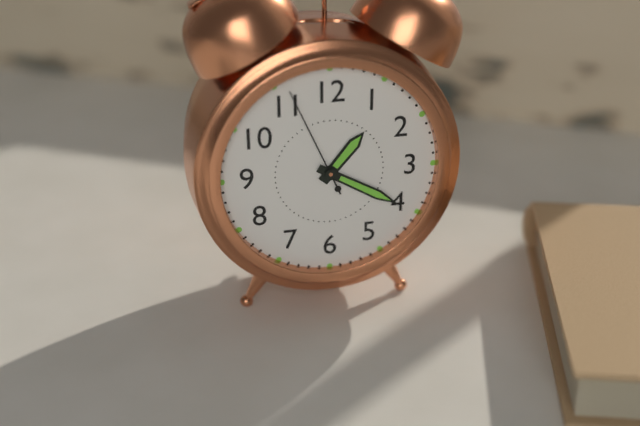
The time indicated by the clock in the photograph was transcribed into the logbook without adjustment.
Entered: 1:20:56
